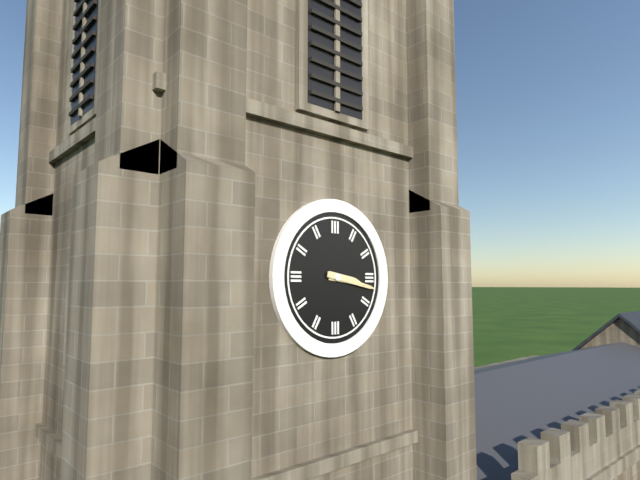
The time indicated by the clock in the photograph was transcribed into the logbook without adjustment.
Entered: 3:17
